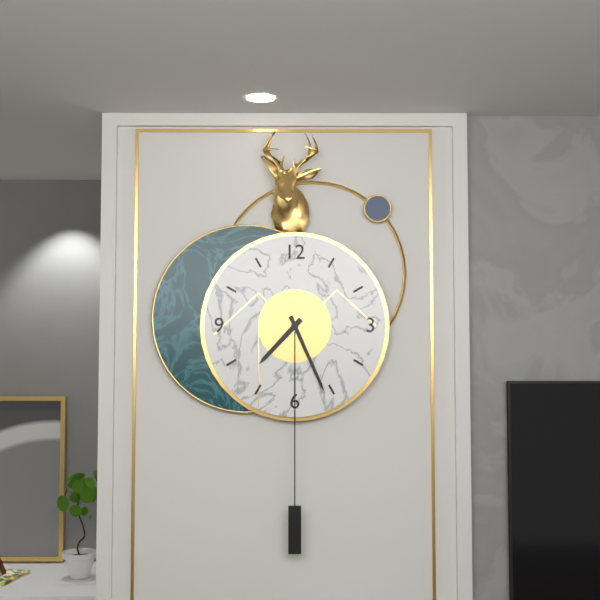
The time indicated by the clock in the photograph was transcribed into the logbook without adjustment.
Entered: 7:26
